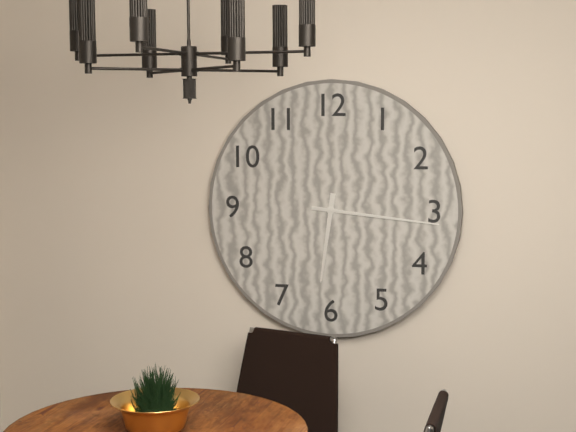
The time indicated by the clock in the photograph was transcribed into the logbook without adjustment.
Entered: 6:16
